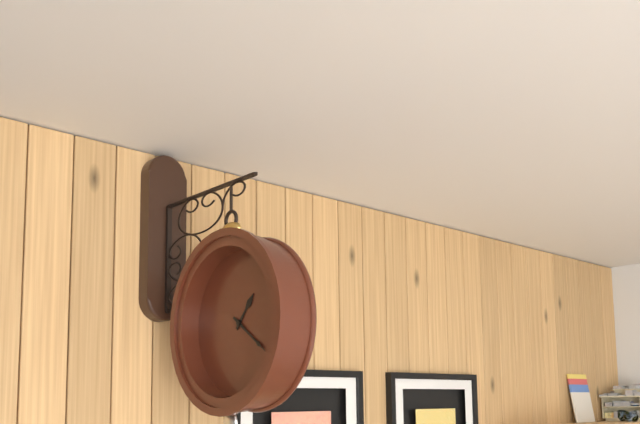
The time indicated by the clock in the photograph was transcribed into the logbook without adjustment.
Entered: 1:21
